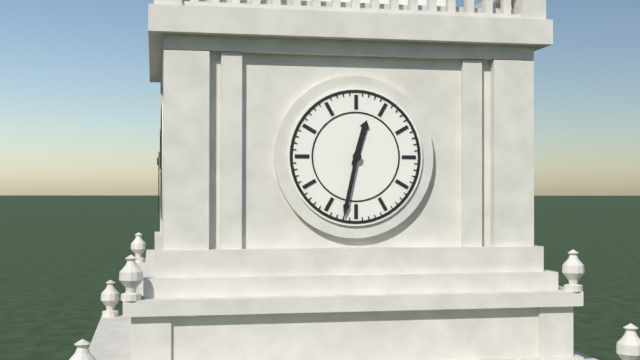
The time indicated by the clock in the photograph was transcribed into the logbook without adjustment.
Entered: 12:32
